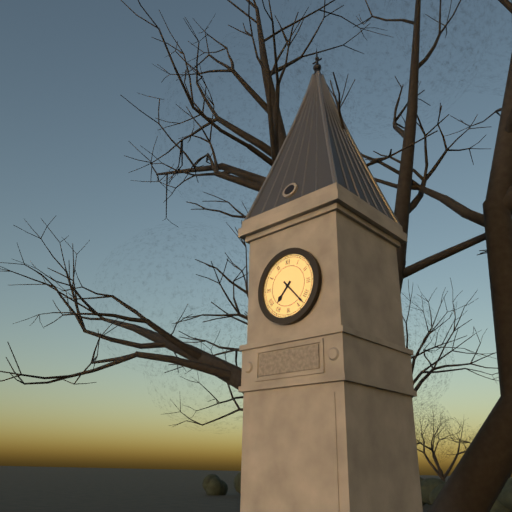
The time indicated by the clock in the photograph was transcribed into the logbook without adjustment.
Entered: 7:23
